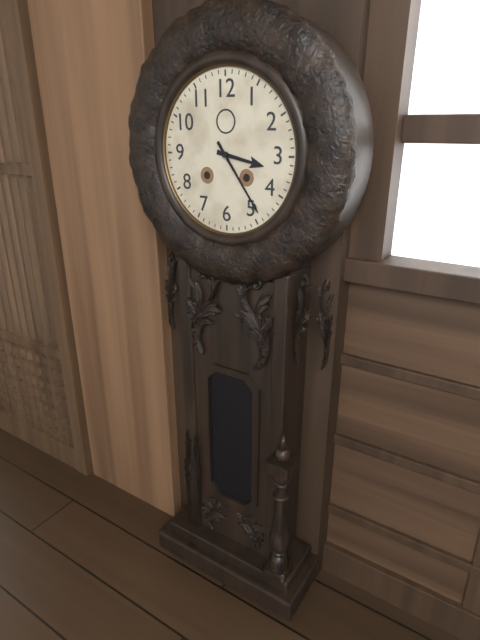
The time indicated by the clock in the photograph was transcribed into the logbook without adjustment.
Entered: 3:24
